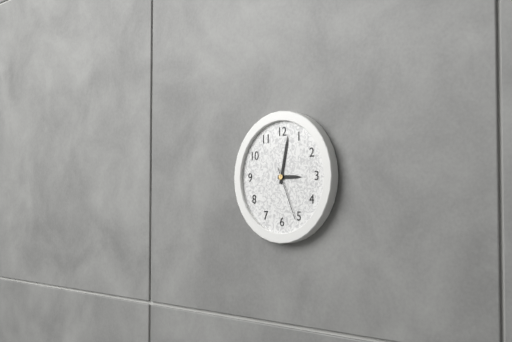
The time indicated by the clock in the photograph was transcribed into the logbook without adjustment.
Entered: 3:02:26
